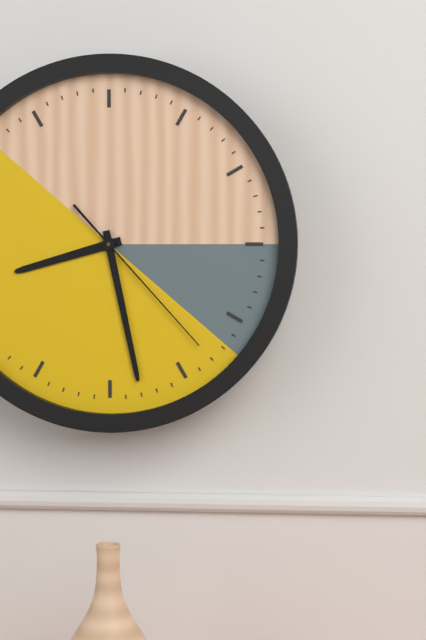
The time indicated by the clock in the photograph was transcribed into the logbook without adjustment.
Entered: 8:28:23
